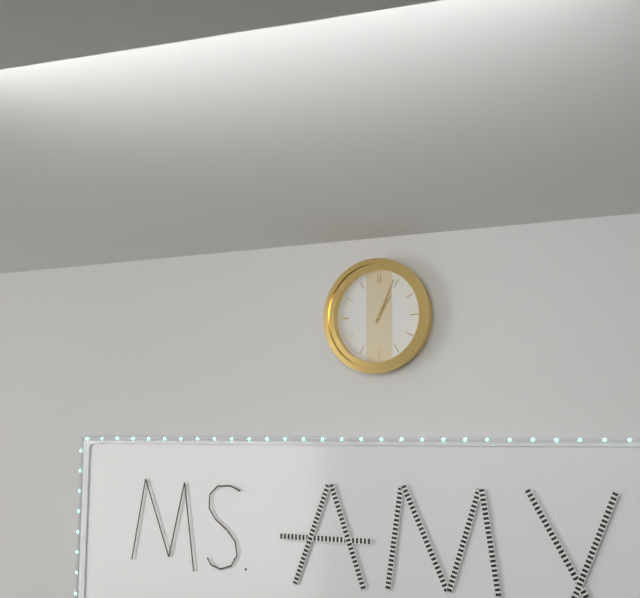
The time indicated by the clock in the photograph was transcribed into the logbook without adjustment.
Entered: 1:04
